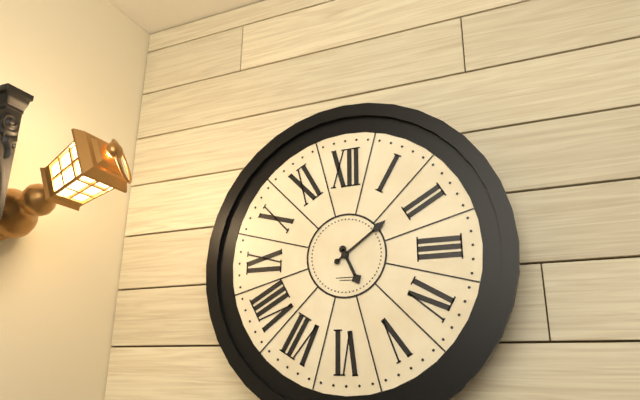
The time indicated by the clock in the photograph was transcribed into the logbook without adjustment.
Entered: 5:09
